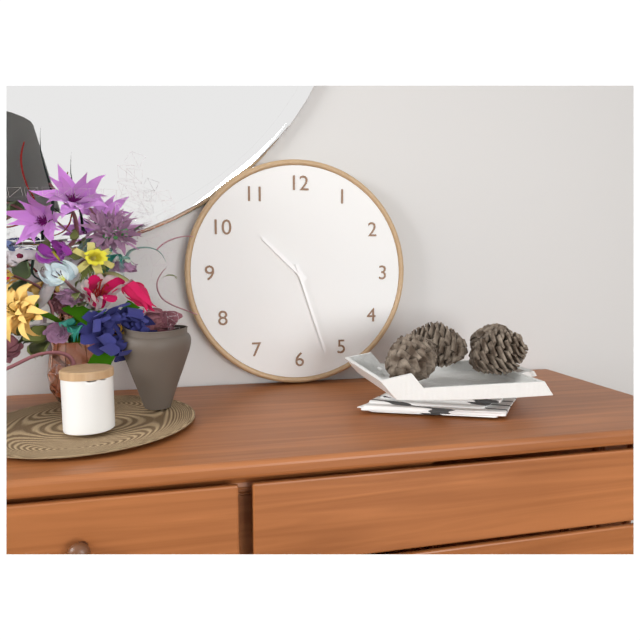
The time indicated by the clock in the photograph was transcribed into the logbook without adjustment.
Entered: 10:27
